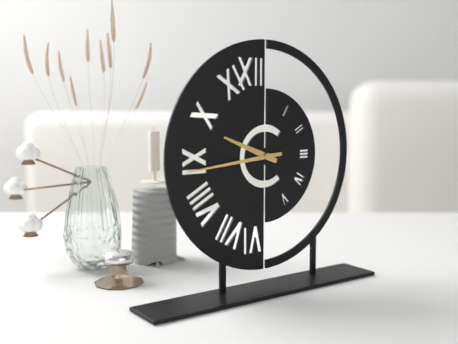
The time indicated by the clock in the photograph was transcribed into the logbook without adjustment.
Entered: 9:44
